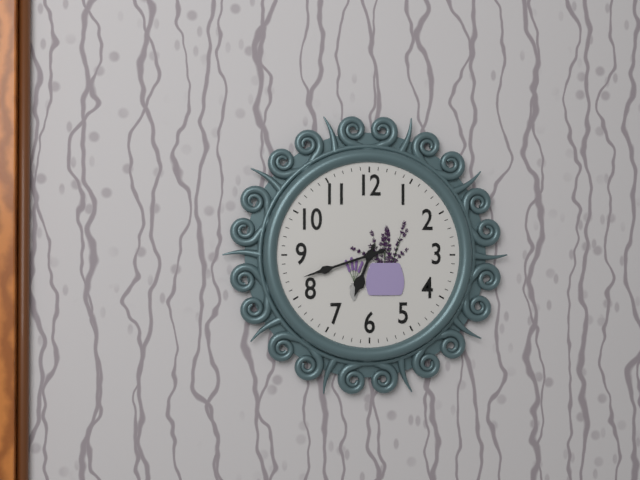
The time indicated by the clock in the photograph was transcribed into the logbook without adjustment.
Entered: 6:42
